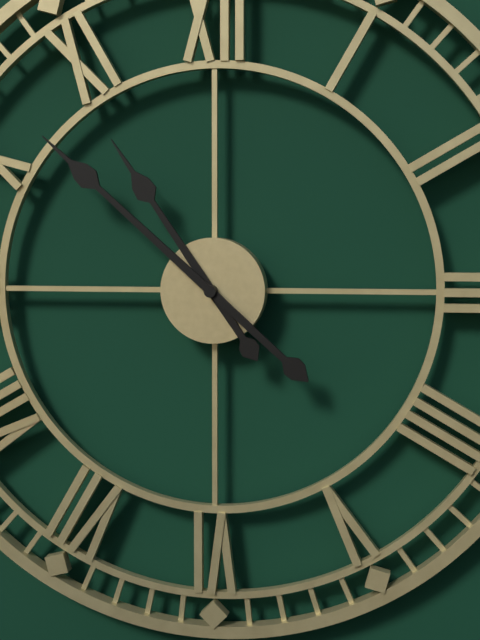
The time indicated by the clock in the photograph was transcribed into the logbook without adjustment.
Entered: 10:52
